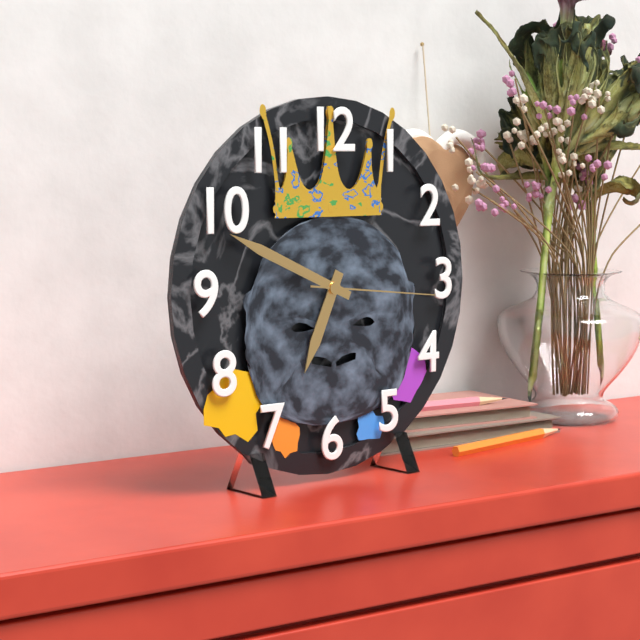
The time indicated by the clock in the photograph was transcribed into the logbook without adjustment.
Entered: 6:49:16
